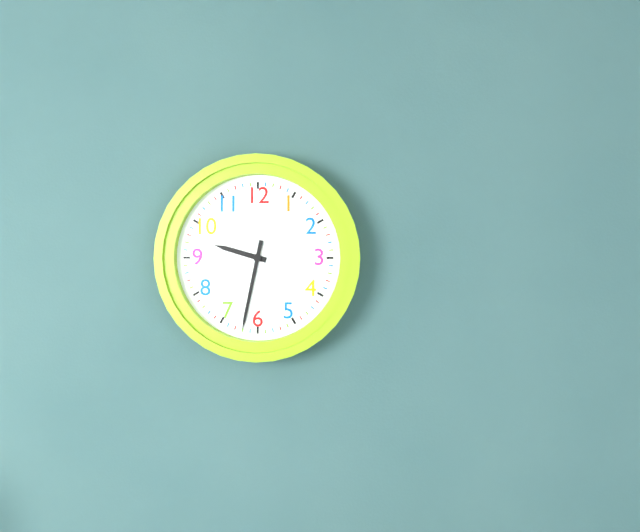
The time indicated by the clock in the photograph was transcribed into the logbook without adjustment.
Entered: 9:32
